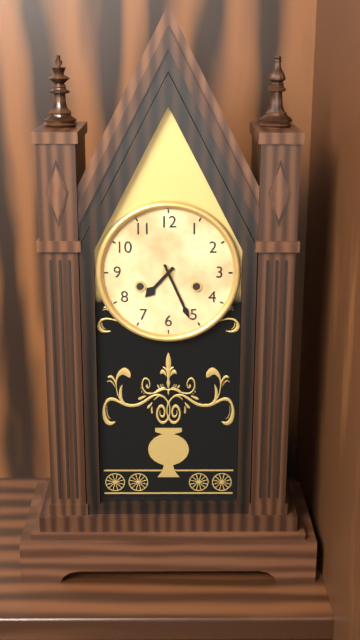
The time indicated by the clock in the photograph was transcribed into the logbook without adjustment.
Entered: 7:26
